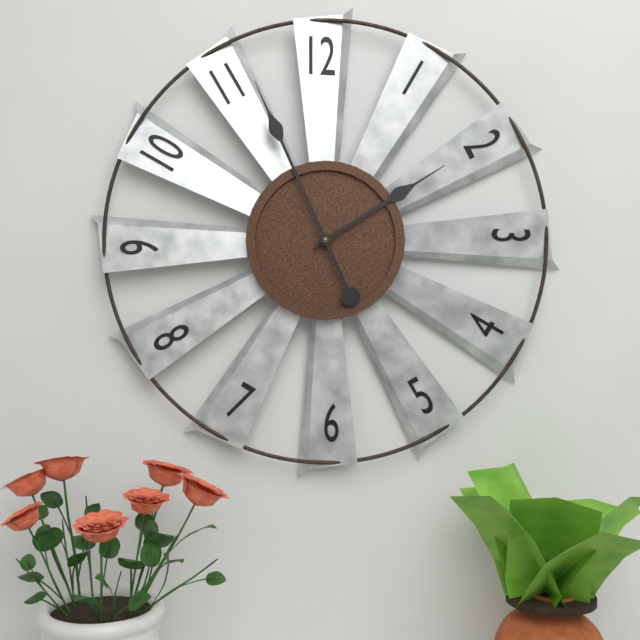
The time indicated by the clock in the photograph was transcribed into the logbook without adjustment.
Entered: 1:56
